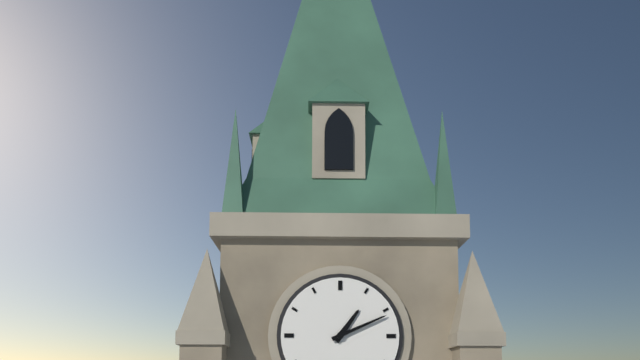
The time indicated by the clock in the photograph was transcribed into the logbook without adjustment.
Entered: 1:11
